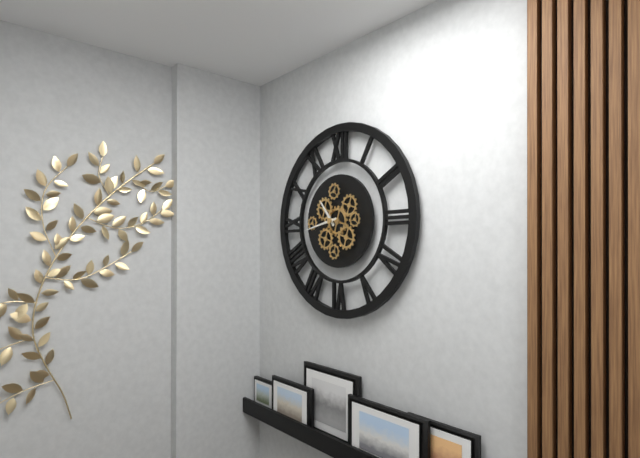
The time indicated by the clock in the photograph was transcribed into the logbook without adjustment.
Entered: 10:43
